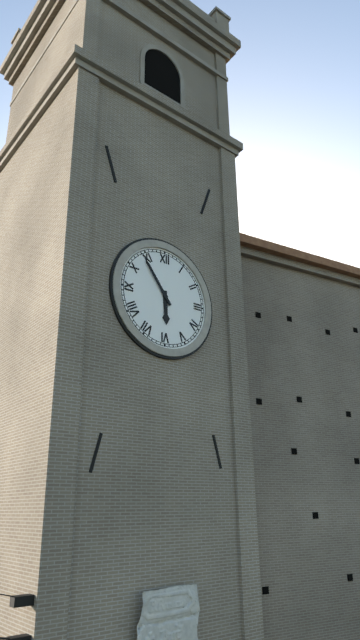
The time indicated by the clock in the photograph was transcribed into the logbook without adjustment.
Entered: 5:54
